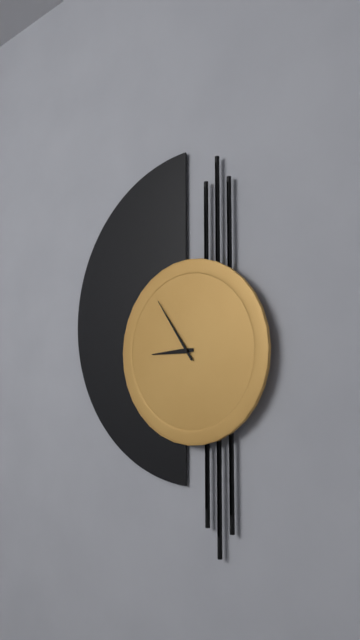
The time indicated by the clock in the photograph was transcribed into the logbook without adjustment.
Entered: 8:54
